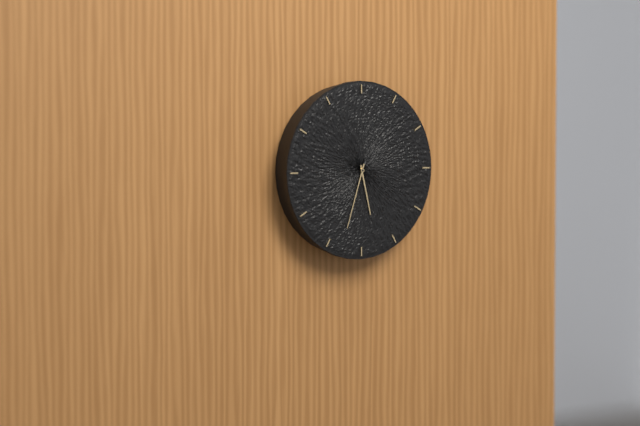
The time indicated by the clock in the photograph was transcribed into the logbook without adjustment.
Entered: 5:33
